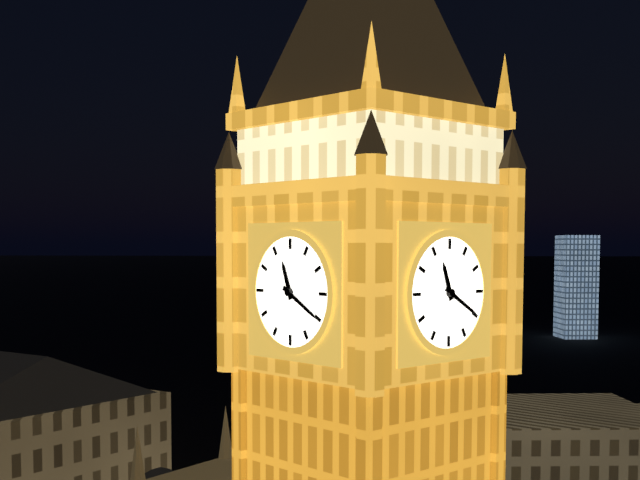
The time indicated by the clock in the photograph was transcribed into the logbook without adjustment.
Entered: 11:20
